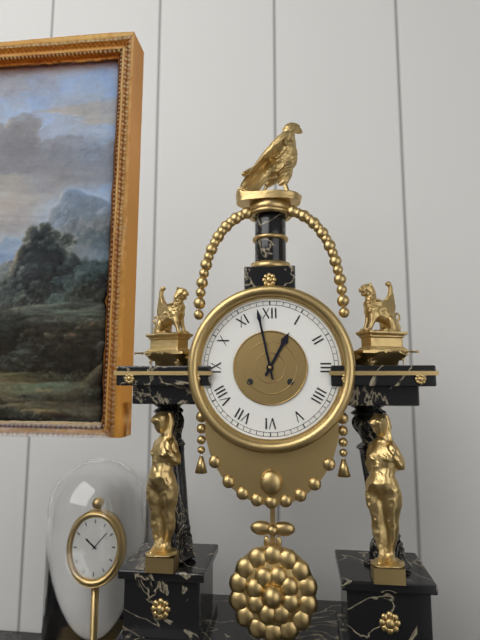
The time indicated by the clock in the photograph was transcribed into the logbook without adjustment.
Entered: 12:58
